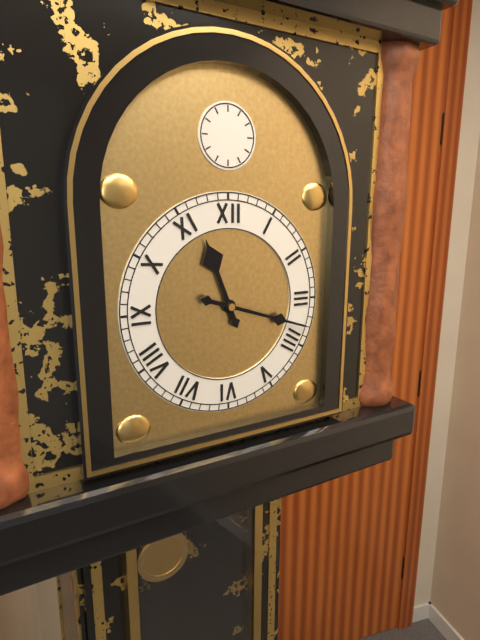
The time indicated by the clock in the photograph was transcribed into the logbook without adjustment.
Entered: 11:18
